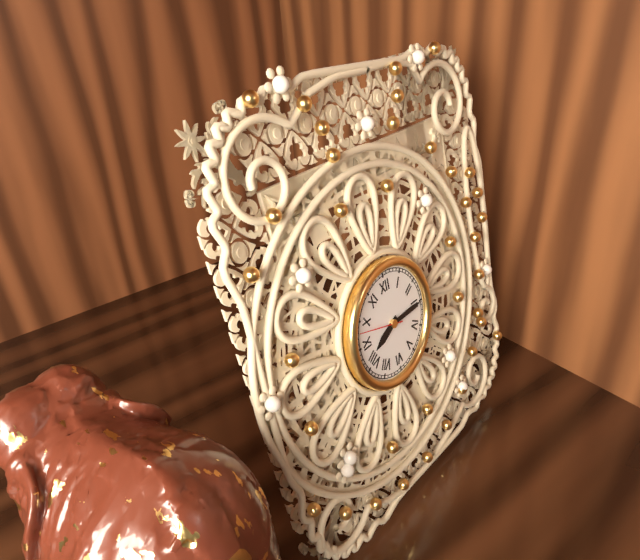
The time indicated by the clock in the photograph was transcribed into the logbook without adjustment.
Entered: 8:15
